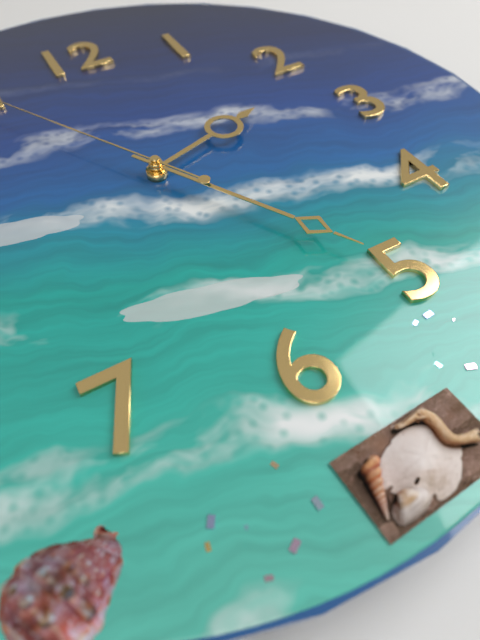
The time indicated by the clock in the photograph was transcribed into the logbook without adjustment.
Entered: 2:25
